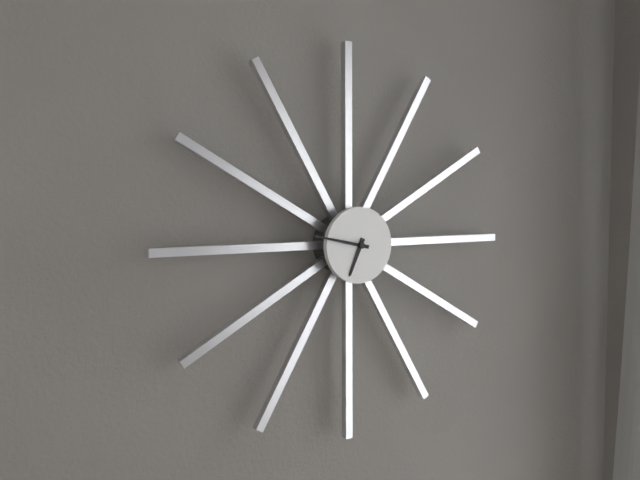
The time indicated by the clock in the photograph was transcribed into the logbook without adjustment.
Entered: 6:47
